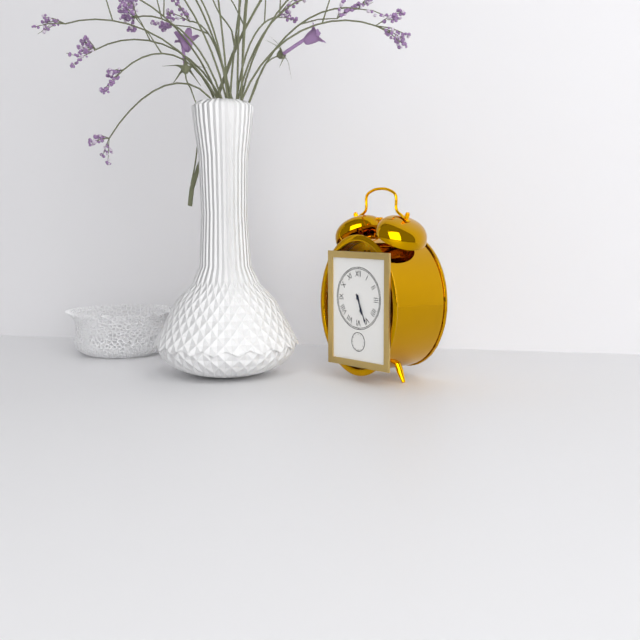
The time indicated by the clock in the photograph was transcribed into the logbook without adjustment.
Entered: 5:26
